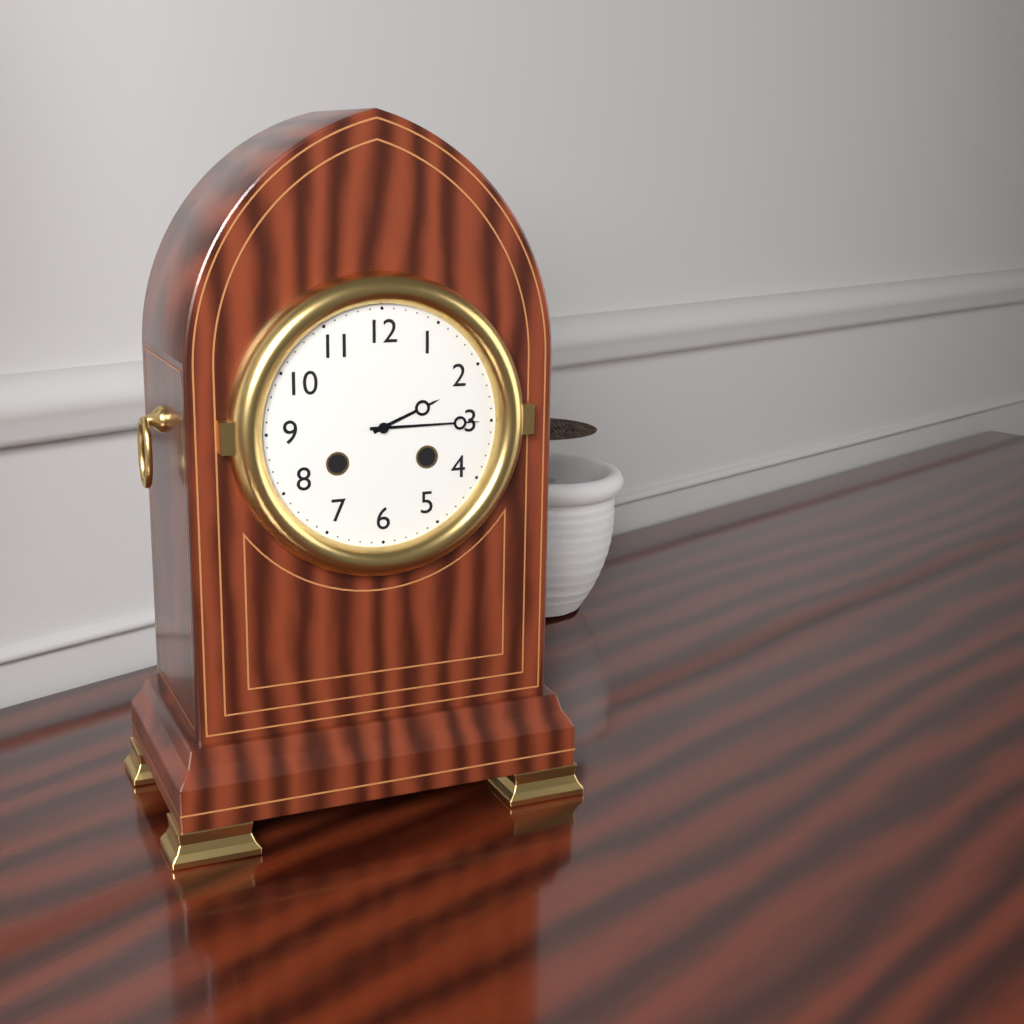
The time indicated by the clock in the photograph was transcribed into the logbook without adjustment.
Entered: 2:15
